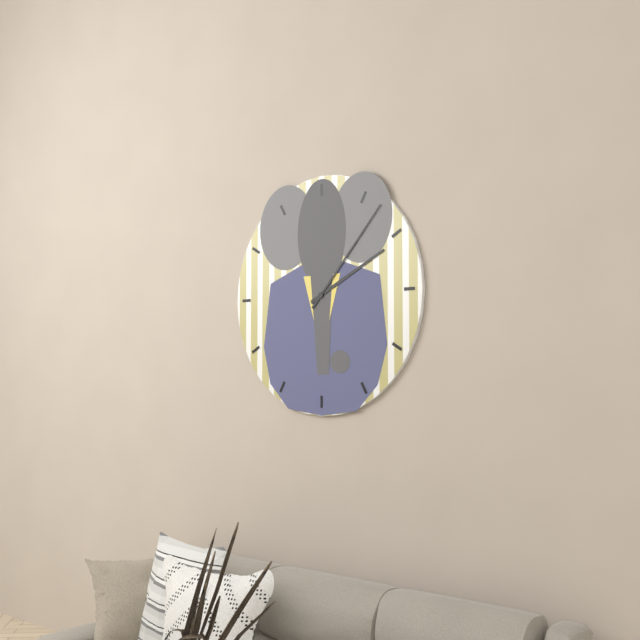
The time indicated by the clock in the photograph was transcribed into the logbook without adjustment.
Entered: 2:07
